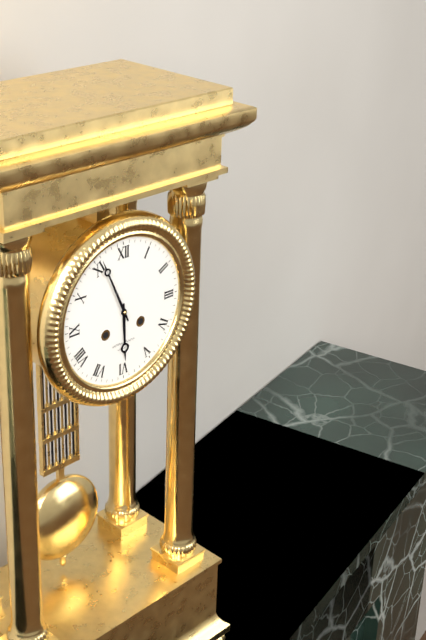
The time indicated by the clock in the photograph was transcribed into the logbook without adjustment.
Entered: 5:56
